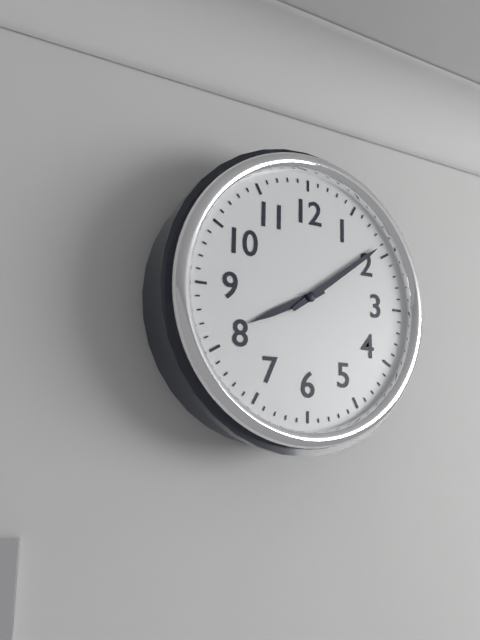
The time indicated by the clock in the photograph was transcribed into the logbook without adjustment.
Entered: 8:09
